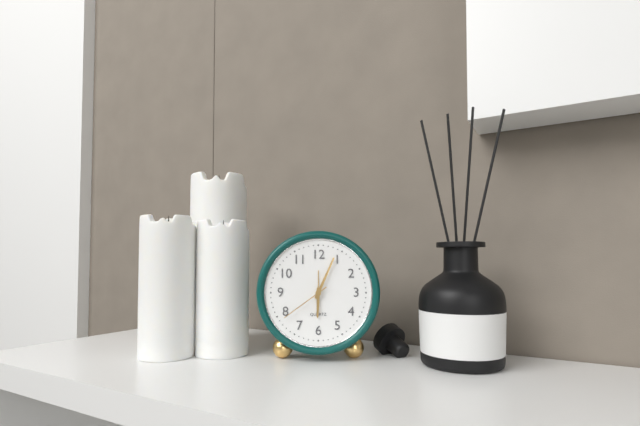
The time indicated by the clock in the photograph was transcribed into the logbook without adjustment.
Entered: 6:04:39
